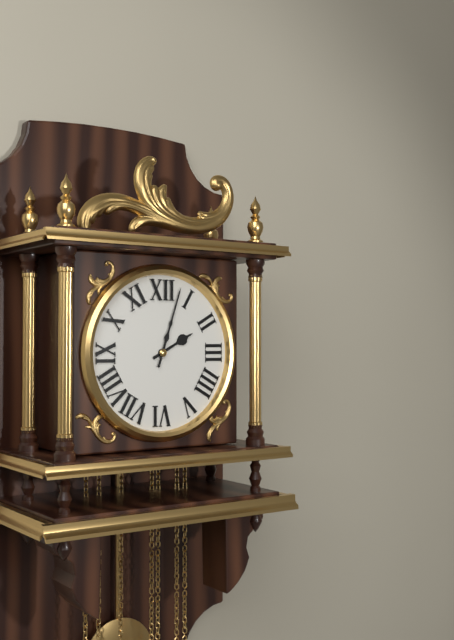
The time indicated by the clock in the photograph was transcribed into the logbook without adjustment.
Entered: 2:03
